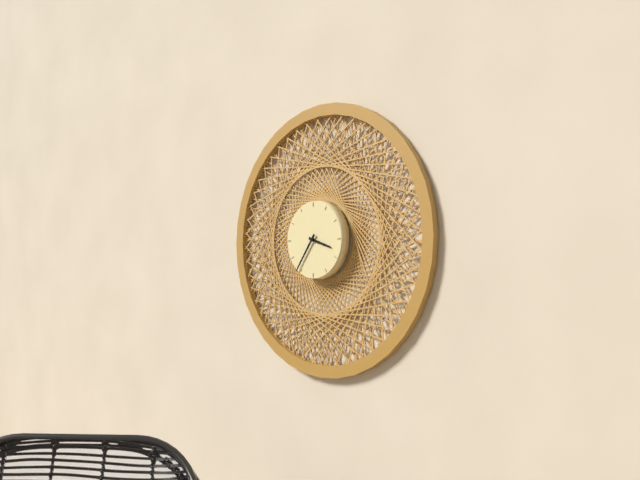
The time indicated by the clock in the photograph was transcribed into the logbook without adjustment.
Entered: 3:36
